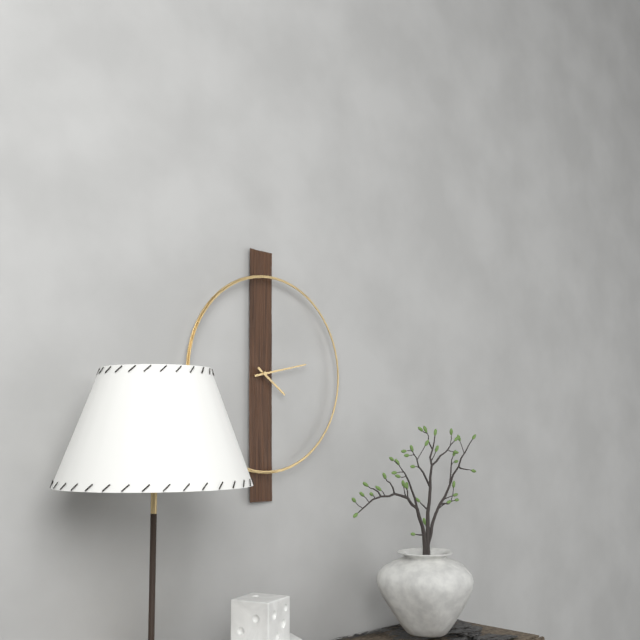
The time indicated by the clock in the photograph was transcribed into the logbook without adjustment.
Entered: 4:13
